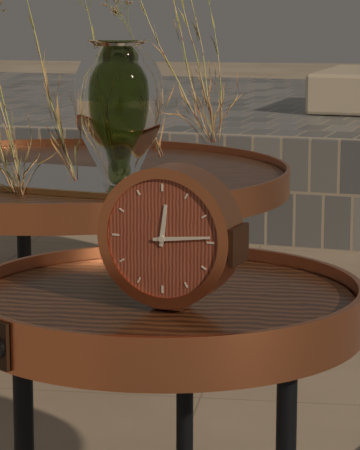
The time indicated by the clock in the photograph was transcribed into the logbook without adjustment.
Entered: 12:14
